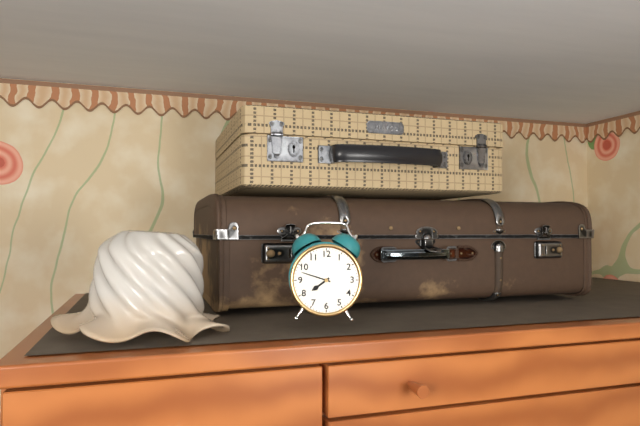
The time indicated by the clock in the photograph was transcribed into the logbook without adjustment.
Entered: 7:48
